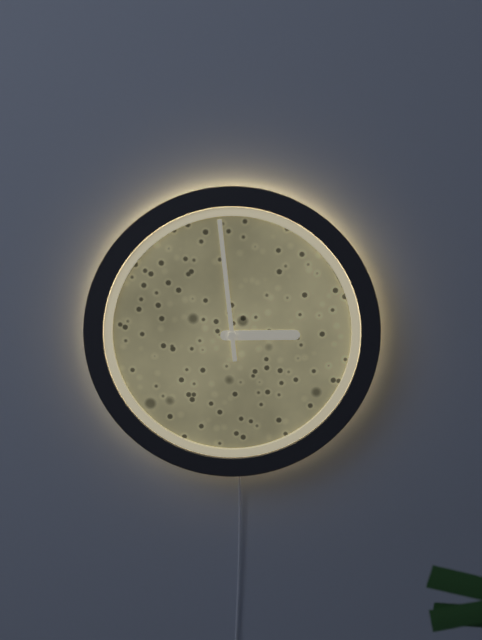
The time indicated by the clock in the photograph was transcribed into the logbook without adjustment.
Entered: 2:59
